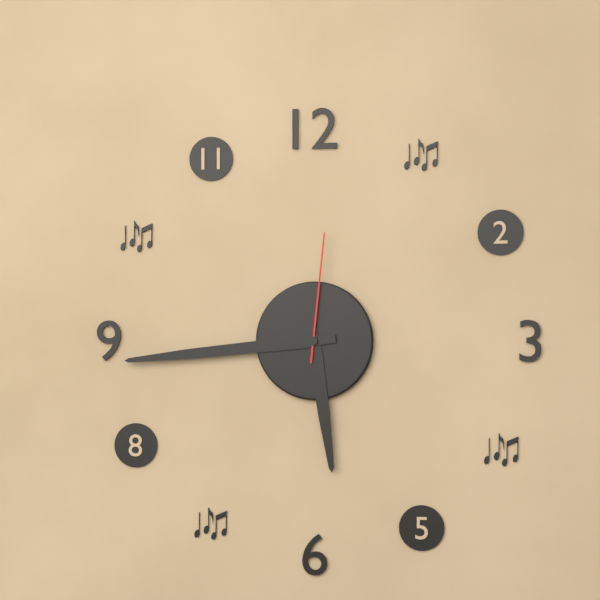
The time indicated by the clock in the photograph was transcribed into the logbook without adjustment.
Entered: 5:44:01
